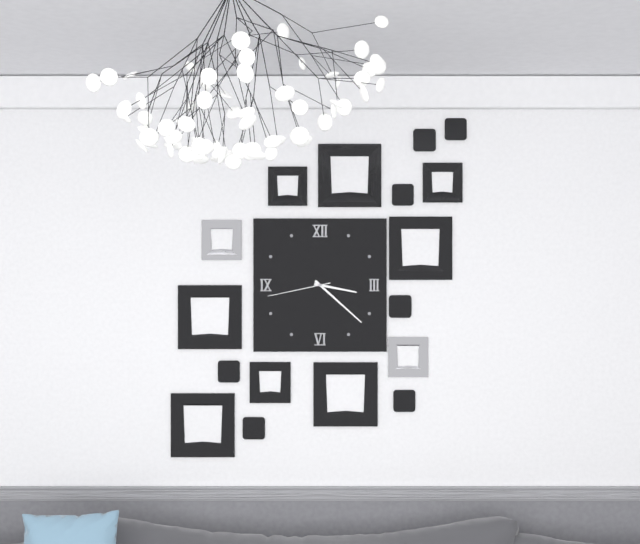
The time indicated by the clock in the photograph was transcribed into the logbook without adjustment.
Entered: 3:22:43
